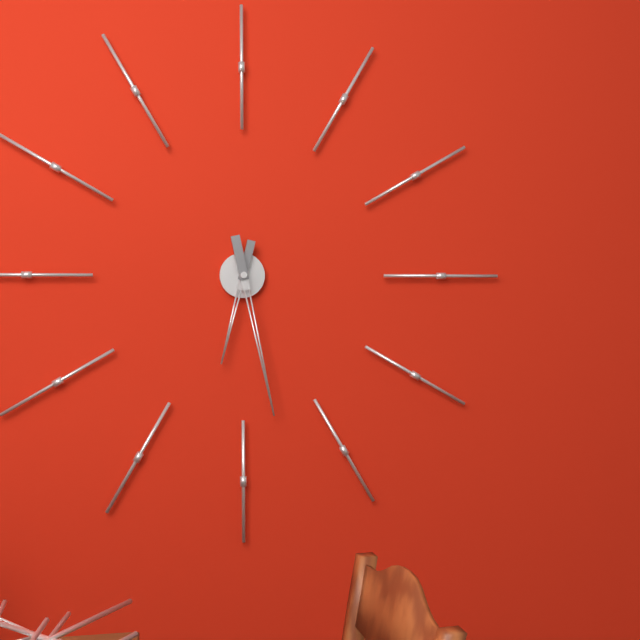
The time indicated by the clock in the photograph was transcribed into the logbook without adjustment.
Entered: 6:28
